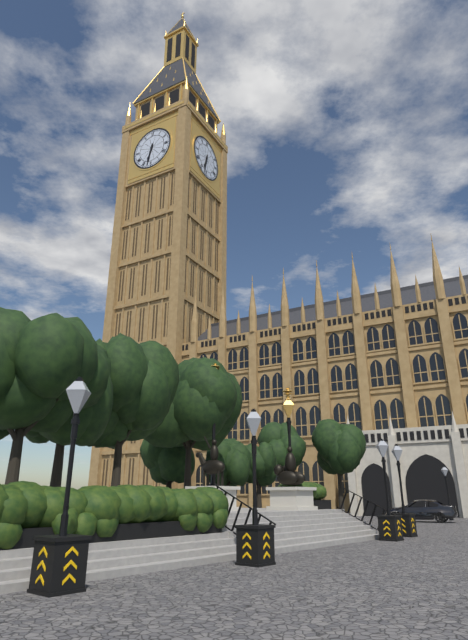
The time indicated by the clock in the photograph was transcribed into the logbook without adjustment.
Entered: 6:32
